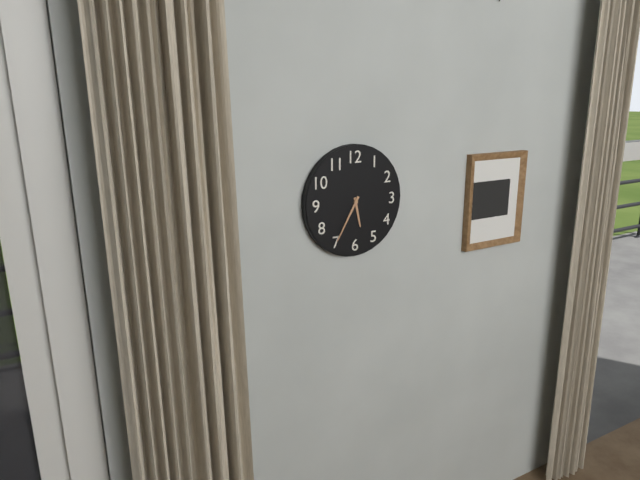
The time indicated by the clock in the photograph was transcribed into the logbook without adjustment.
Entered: 5:35
